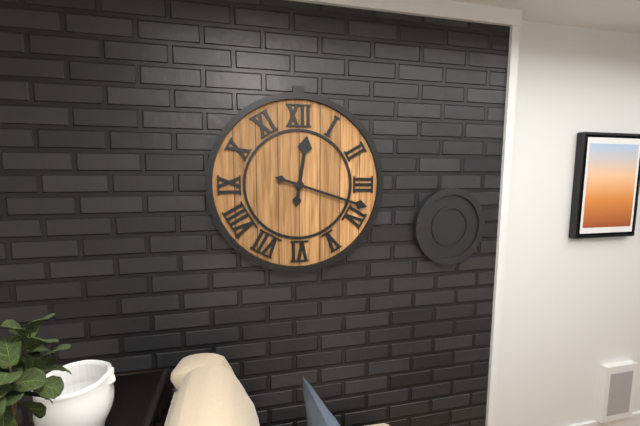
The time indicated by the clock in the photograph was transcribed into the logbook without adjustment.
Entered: 12:18
